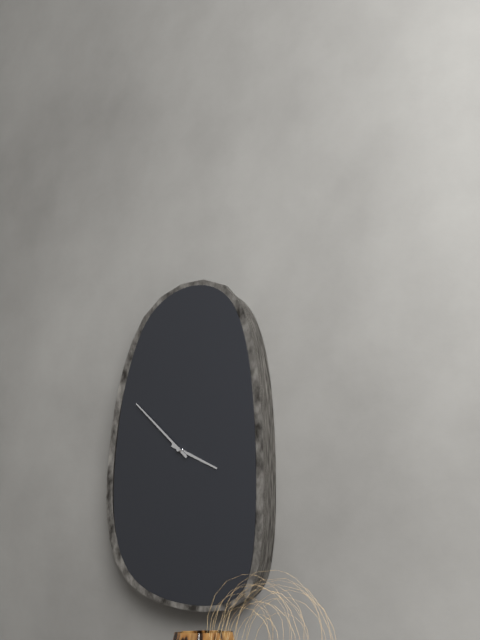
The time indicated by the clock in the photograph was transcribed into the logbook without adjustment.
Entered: 3:52
